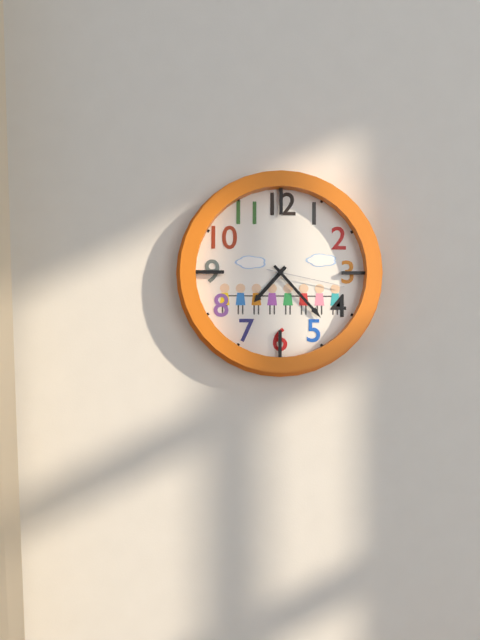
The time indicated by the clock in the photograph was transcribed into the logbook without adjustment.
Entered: 7:23:17
